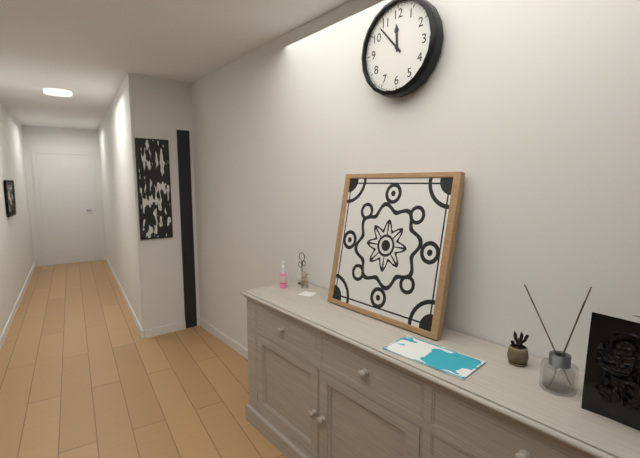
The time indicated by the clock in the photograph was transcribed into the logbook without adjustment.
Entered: 11:53
